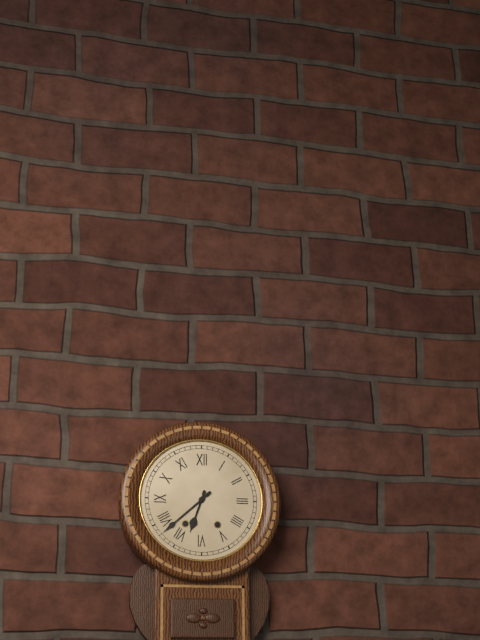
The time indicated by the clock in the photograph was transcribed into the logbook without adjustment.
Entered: 6:38
